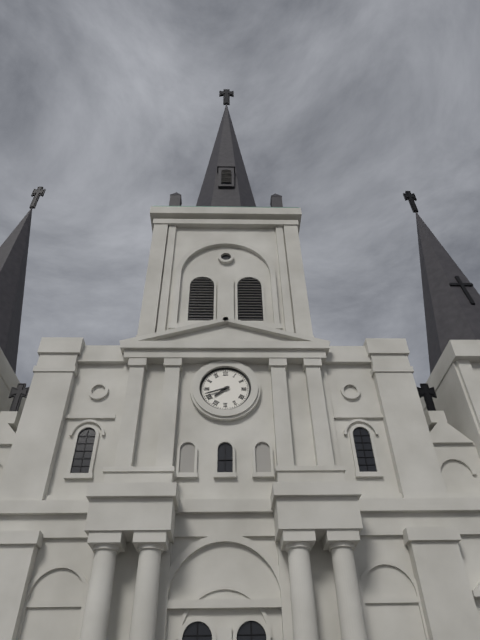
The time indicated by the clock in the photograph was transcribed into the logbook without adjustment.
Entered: 7:42
